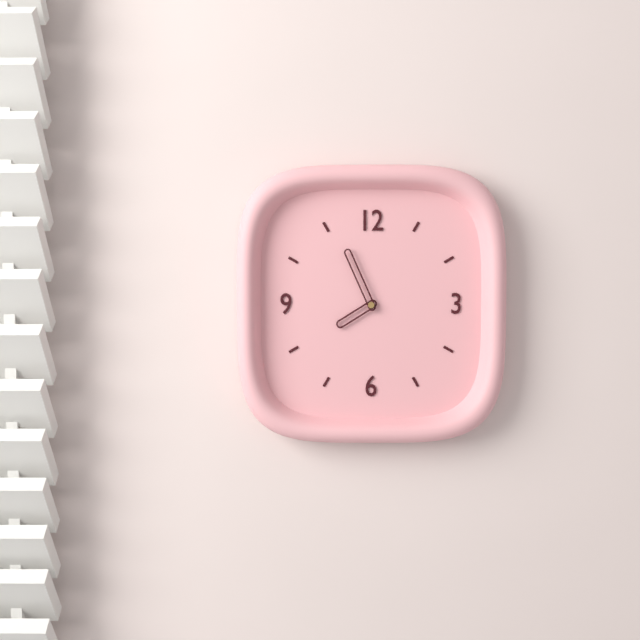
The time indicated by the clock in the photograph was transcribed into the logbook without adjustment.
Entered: 7:56
